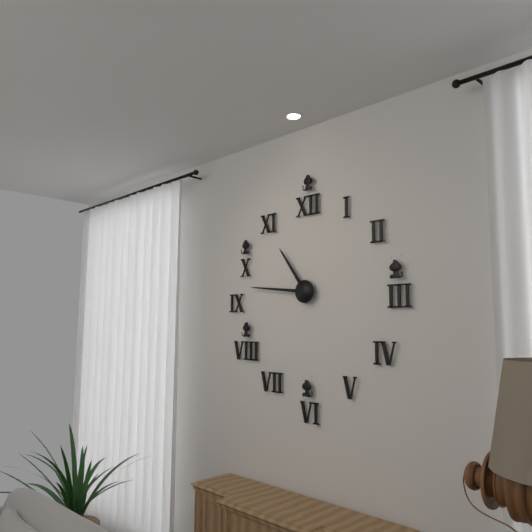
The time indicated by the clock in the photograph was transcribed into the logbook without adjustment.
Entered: 10:46
